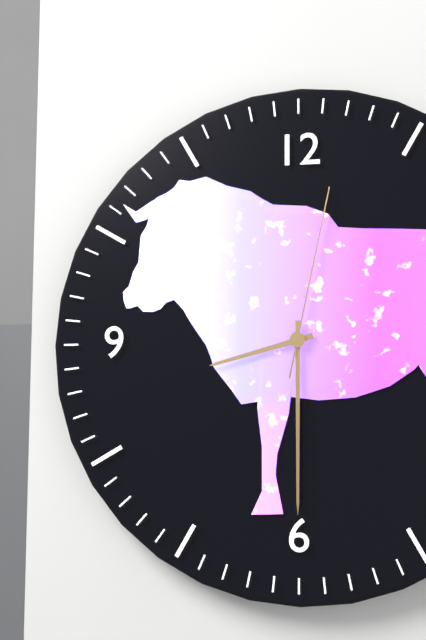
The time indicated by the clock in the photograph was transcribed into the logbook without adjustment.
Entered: 8:30:02
